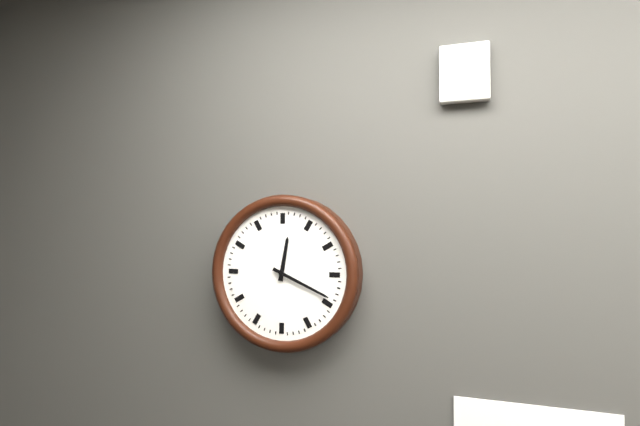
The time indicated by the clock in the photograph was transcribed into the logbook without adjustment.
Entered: 12:19
